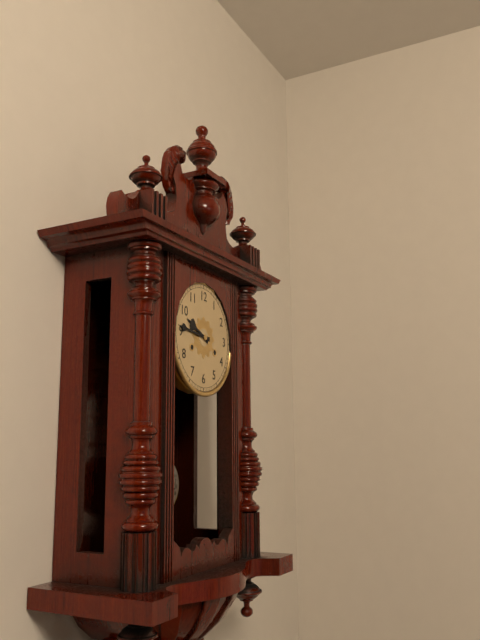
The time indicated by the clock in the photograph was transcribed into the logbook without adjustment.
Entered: 9:46
